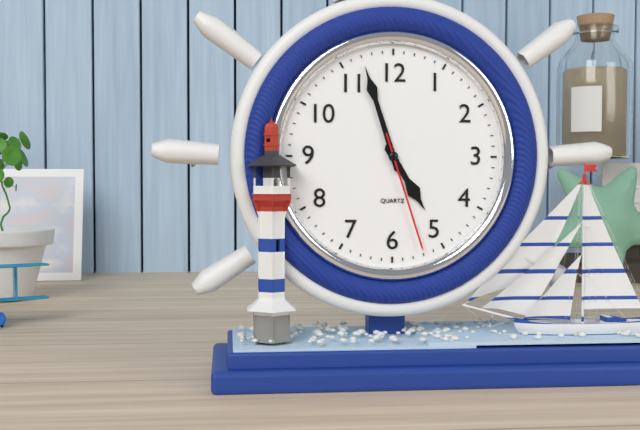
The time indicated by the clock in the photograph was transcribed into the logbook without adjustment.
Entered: 4:57:27
